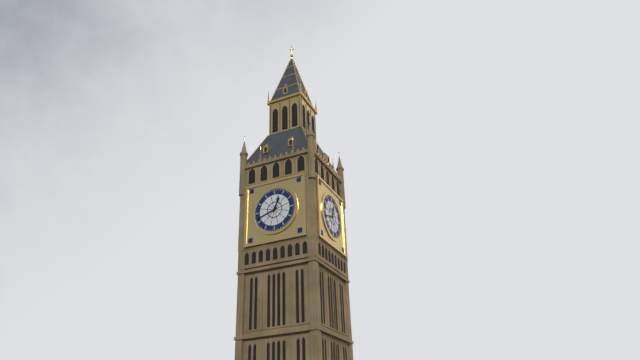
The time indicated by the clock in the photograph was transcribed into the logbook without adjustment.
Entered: 12:42
